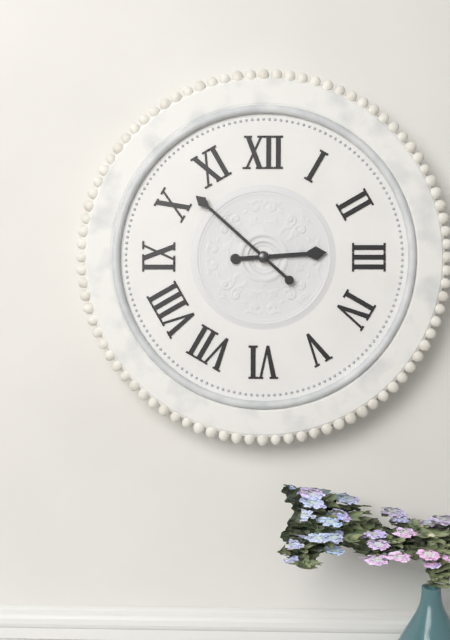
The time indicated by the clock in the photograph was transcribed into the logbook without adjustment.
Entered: 2:52
